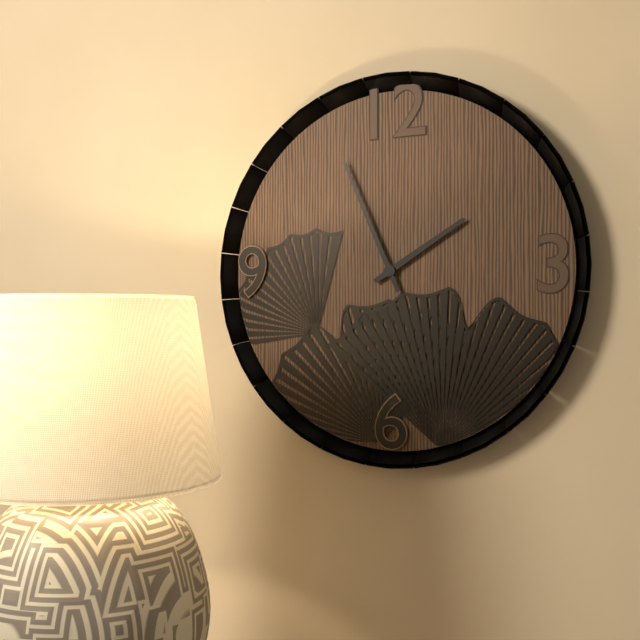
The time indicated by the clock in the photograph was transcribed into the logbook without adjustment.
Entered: 1:56
